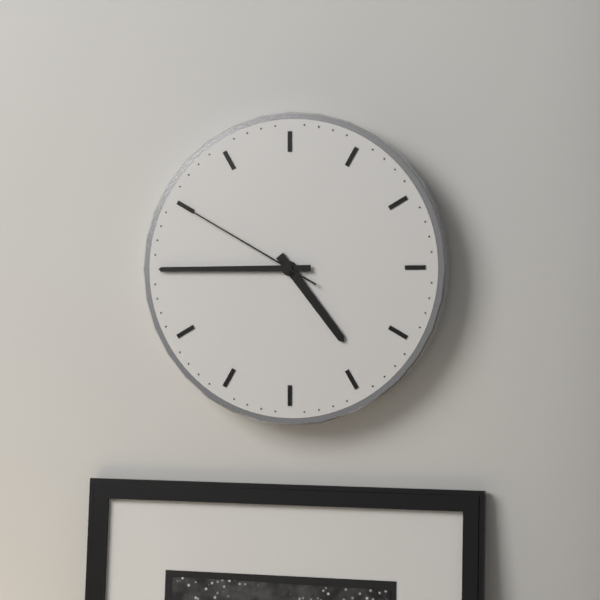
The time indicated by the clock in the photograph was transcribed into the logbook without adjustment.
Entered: 4:45:50
